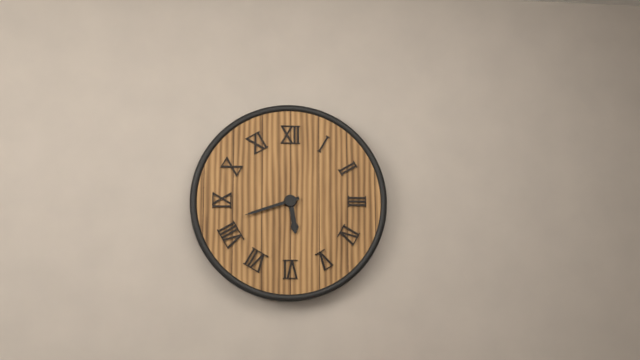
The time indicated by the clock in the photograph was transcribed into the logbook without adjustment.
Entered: 5:42
